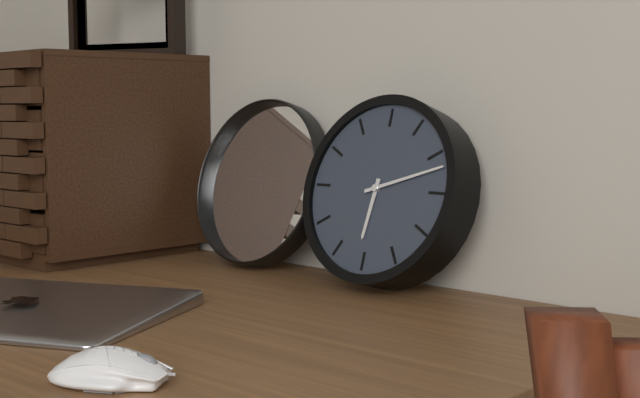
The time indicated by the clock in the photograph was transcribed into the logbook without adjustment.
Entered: 6:12
